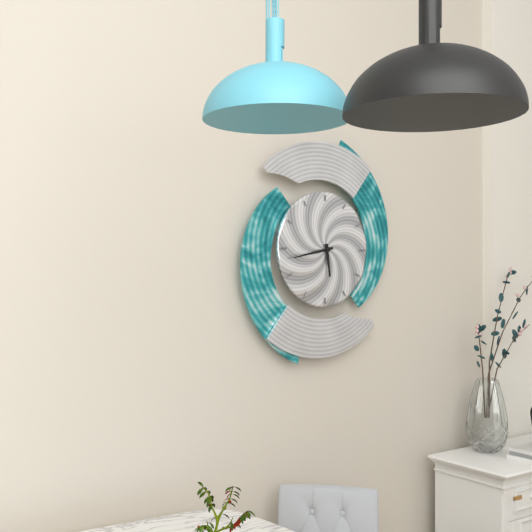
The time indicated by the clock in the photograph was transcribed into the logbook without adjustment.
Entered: 5:43
